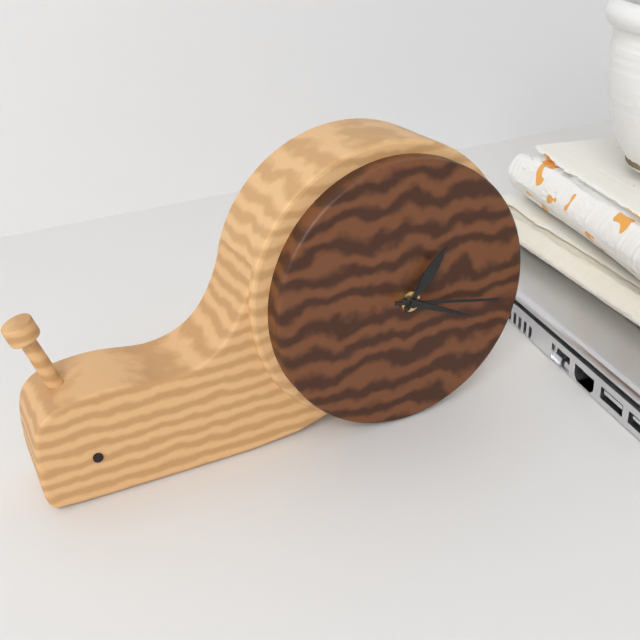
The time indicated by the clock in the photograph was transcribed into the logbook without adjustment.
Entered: 1:17:19
